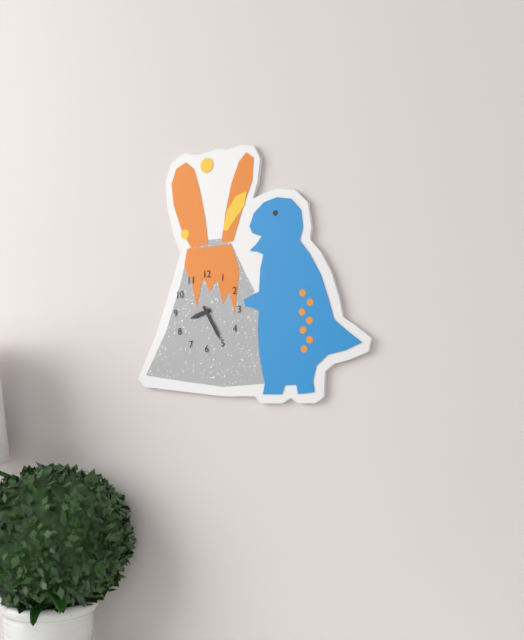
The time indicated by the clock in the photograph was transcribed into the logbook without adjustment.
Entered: 8:25
